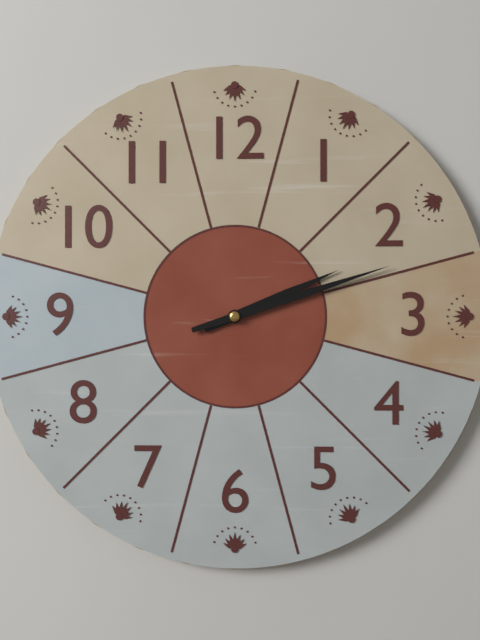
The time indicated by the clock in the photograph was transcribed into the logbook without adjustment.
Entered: 2:12
